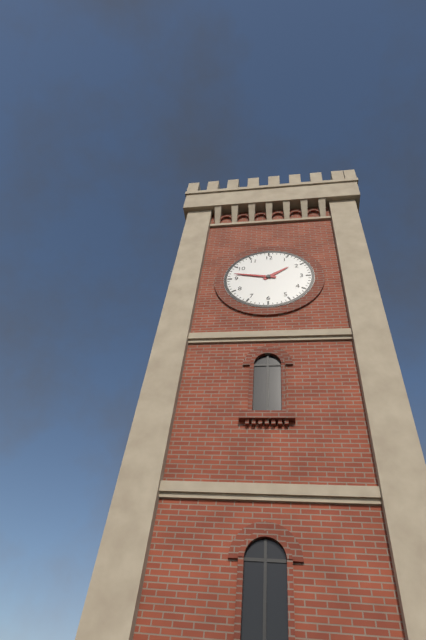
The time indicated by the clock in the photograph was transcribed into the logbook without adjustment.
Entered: 1:47
